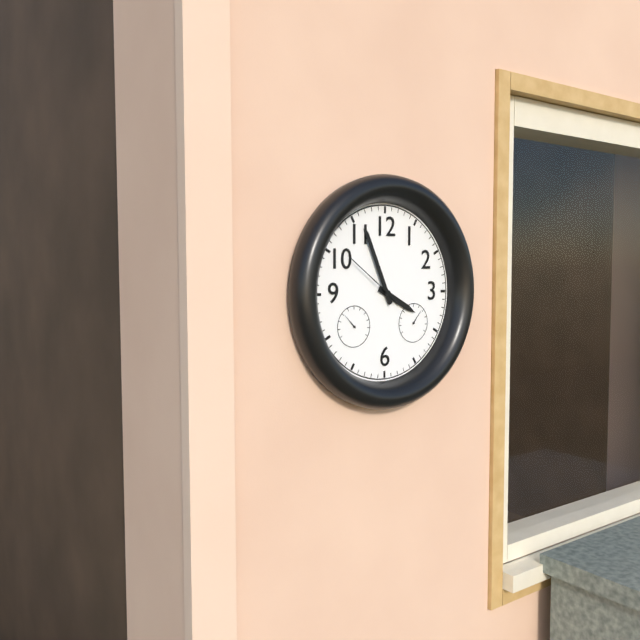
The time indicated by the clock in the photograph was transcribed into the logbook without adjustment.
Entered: 3:56:51
